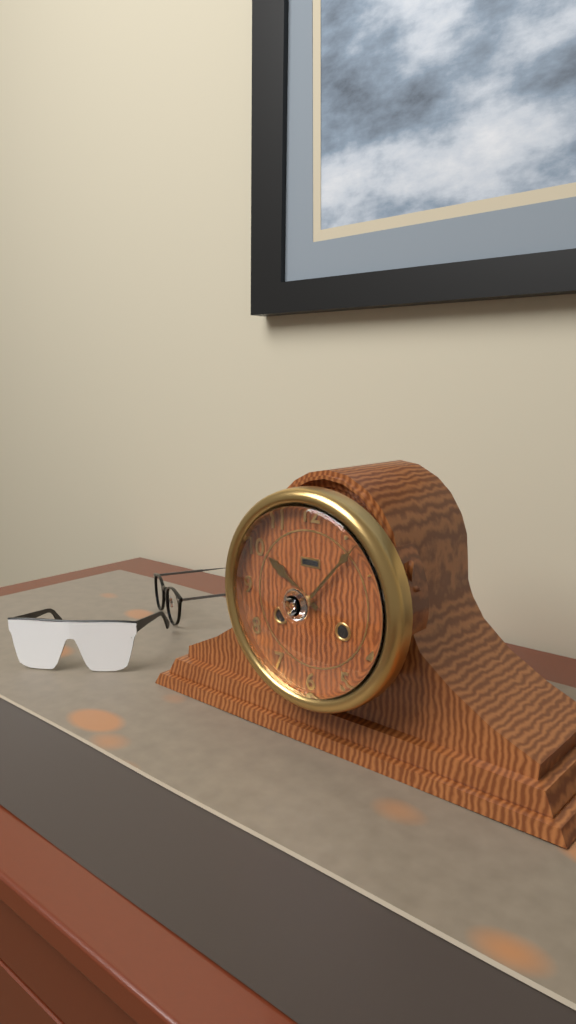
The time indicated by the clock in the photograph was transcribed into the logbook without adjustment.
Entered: 10:07
